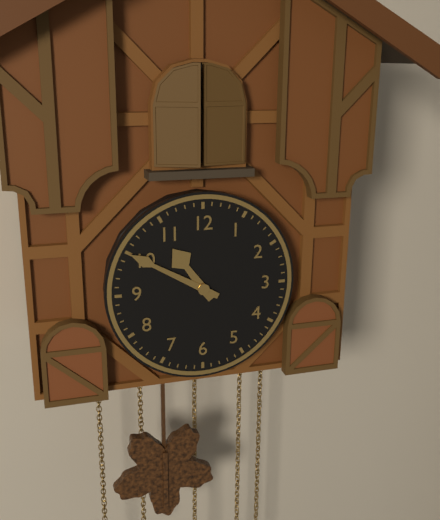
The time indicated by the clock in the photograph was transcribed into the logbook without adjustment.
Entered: 10:50
